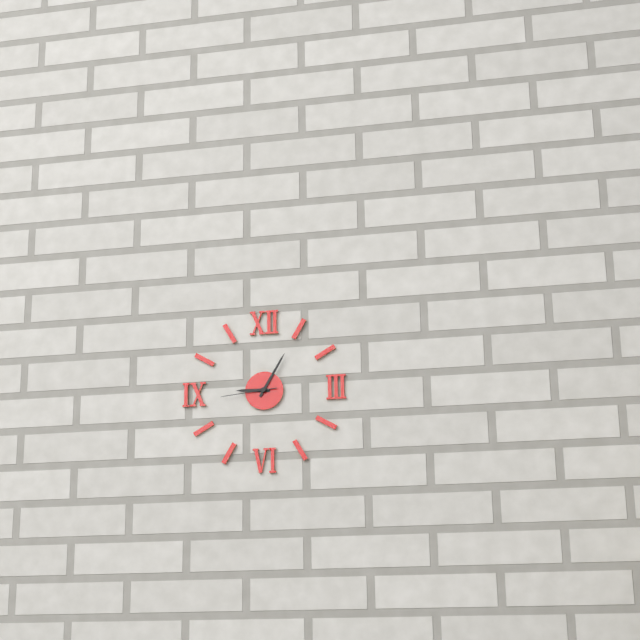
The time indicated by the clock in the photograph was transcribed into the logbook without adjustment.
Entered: 9:05:44
